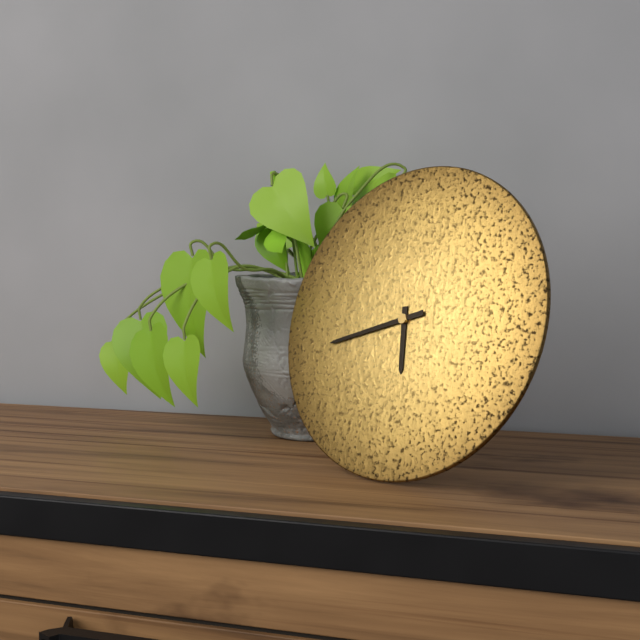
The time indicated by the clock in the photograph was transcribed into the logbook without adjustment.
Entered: 5:42
